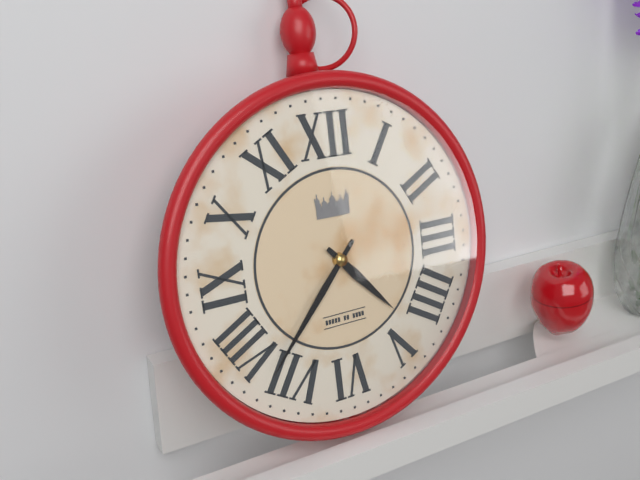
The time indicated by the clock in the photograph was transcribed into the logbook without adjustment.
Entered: 4:37
